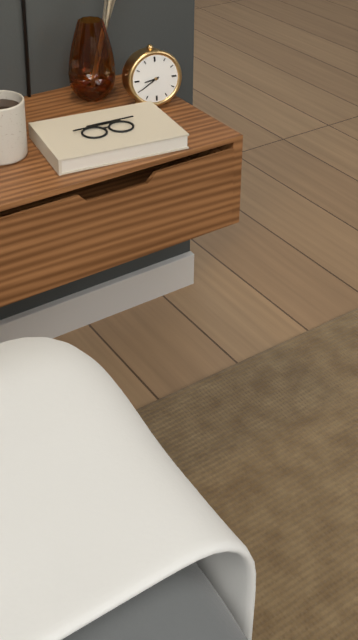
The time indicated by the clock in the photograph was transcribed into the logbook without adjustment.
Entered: 8:40
